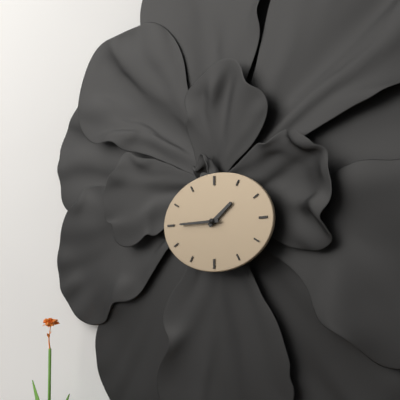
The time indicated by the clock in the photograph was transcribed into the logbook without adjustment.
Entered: 1:45
